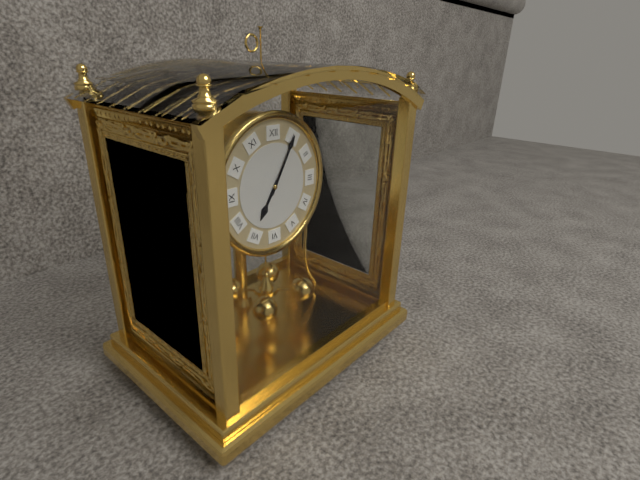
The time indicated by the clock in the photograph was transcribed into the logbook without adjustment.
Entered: 7:05
